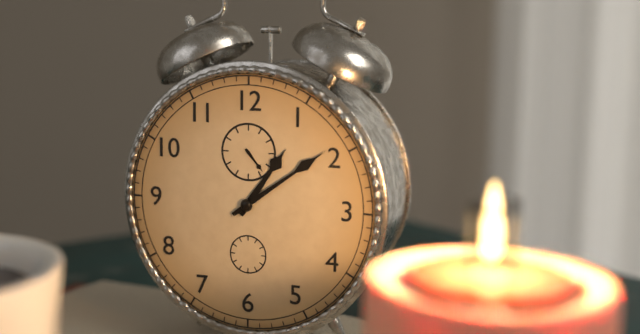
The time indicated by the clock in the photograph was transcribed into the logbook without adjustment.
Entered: 1:09
